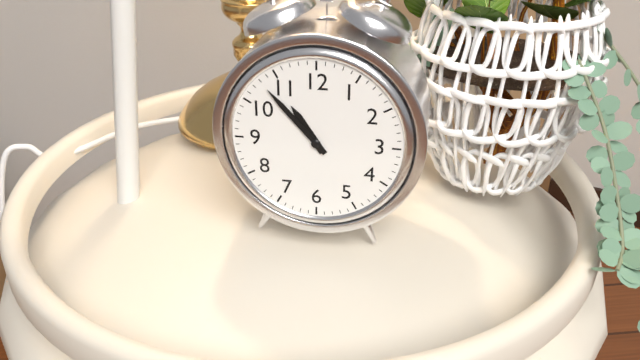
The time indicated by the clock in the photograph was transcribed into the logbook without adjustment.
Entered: 10:53
